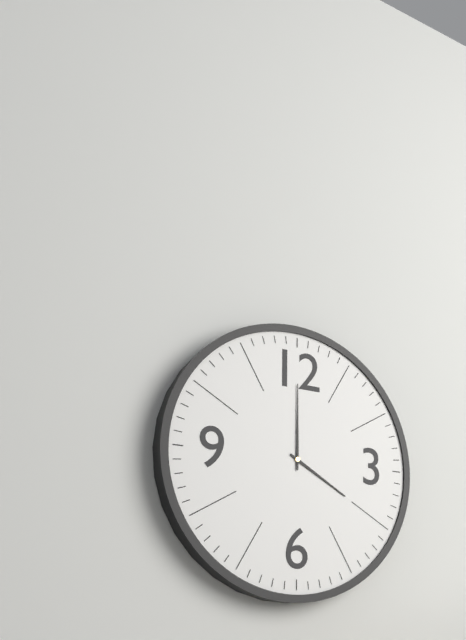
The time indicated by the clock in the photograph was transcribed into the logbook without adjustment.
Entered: 4:00
